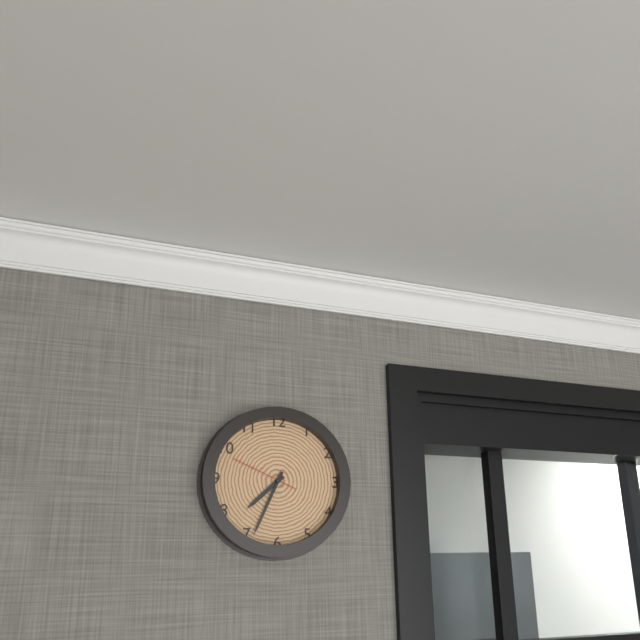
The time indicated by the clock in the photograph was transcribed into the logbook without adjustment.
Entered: 7:34:49
